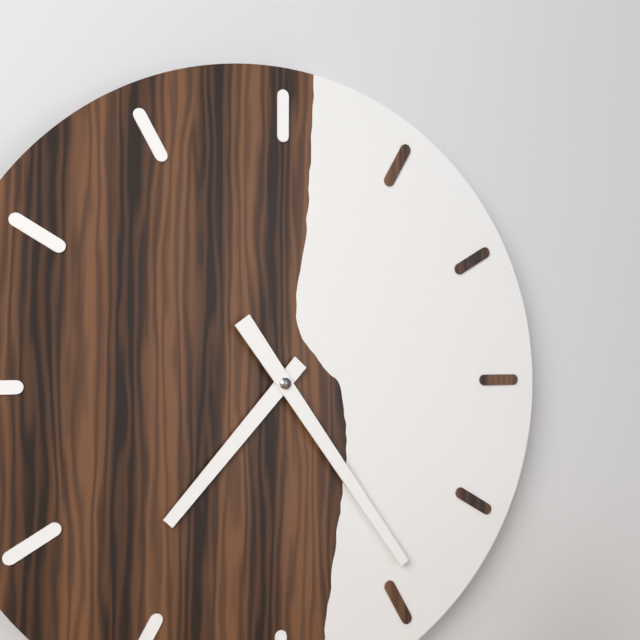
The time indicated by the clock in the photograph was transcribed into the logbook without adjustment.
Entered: 7:24
